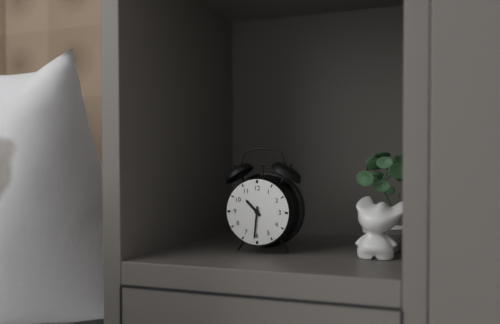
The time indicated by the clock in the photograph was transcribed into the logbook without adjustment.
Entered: 10:31
